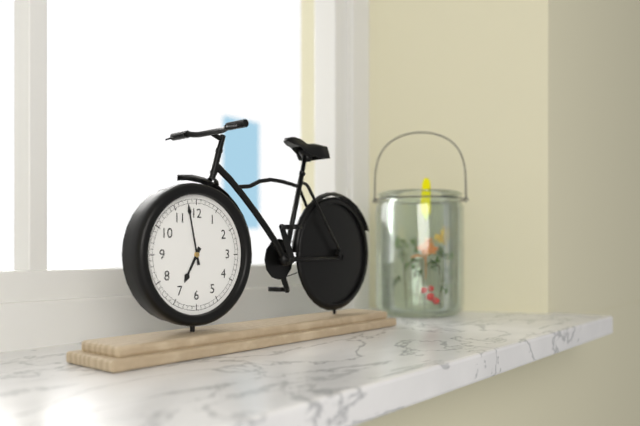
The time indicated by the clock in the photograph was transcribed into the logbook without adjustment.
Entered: 6:58
